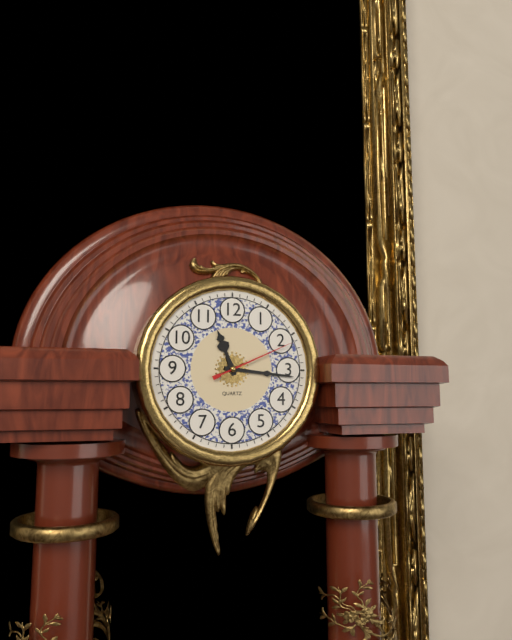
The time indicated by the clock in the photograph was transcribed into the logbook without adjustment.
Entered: 11:16:11
